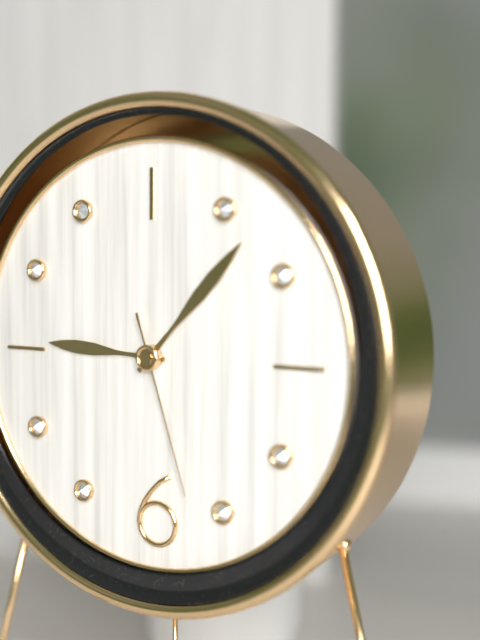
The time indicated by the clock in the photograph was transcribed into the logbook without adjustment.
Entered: 9:07:27
